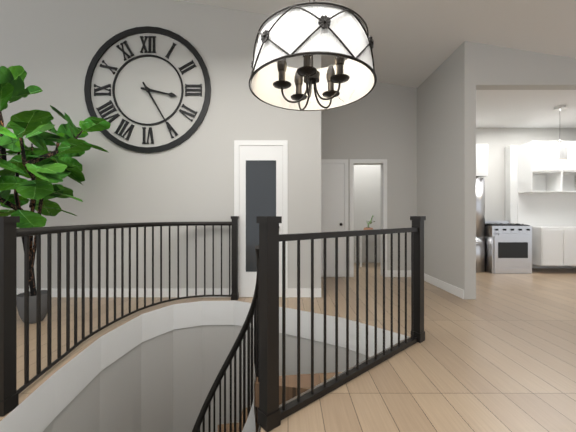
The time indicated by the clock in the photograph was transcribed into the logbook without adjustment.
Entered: 3:25
